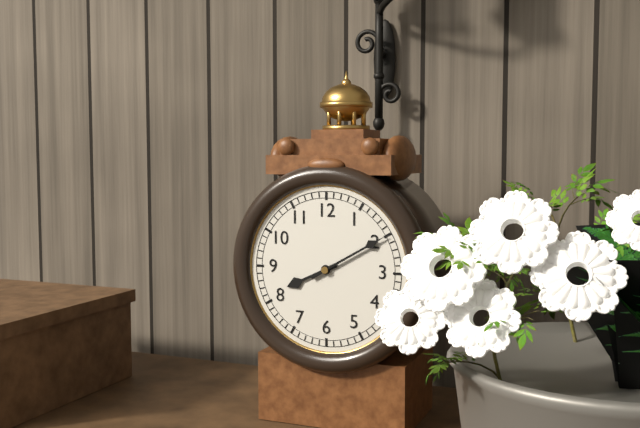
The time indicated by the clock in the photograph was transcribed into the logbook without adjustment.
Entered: 8:10
